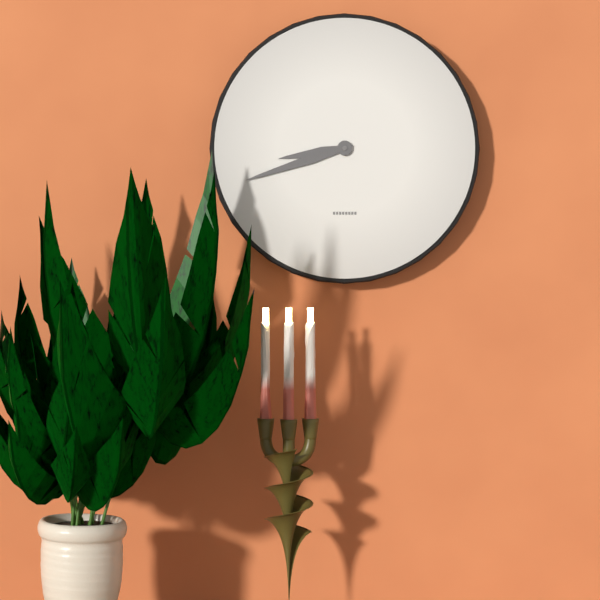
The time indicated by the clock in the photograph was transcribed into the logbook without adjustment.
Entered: 8:42
